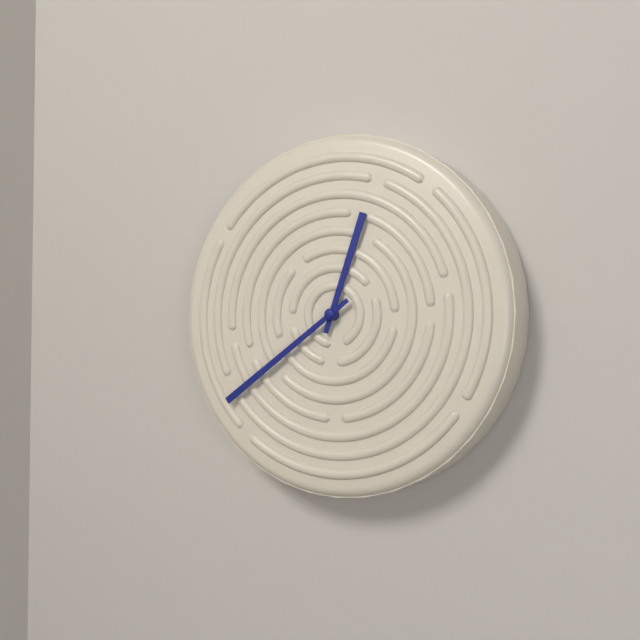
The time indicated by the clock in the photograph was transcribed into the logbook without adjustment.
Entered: 12:39
